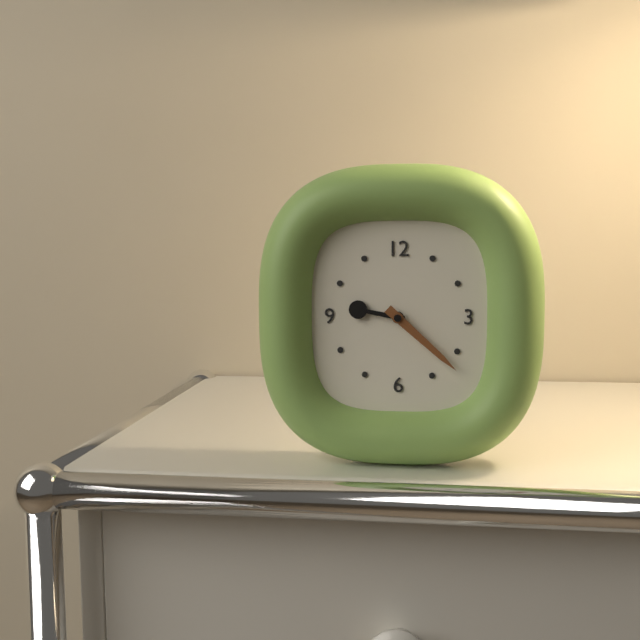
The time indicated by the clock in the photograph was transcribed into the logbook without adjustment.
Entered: 9:22
